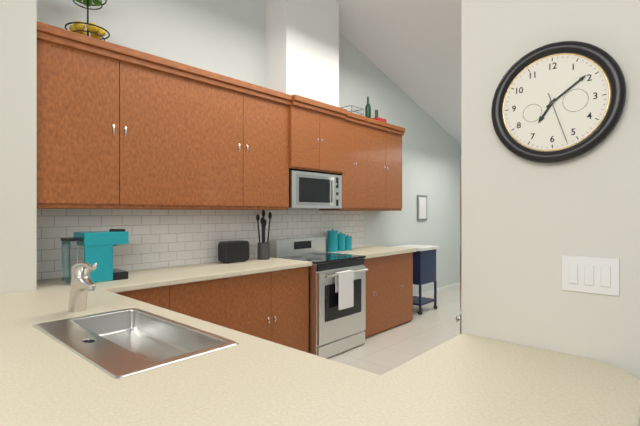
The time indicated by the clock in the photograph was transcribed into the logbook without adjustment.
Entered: 7:09:27
